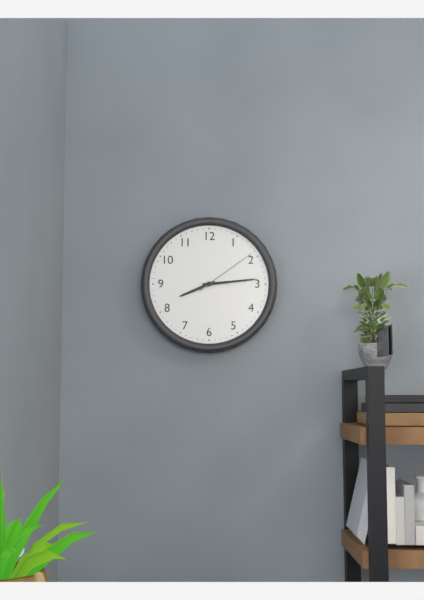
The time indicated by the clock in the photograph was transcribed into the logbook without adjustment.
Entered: 8:14:09
